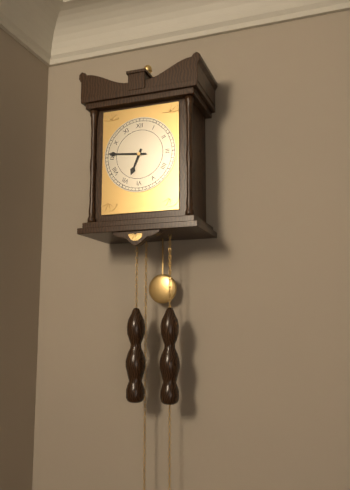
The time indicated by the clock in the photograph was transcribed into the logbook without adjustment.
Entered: 6:46
